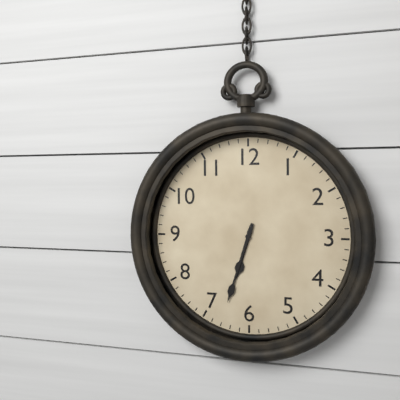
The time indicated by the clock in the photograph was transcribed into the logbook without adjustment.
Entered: 6:33
